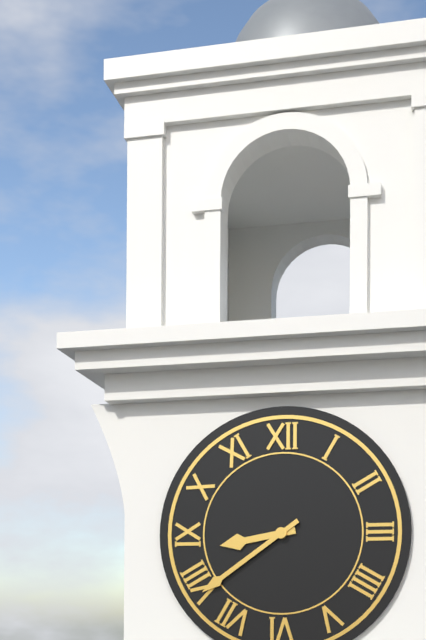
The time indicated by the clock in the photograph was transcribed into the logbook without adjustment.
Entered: 8:39
